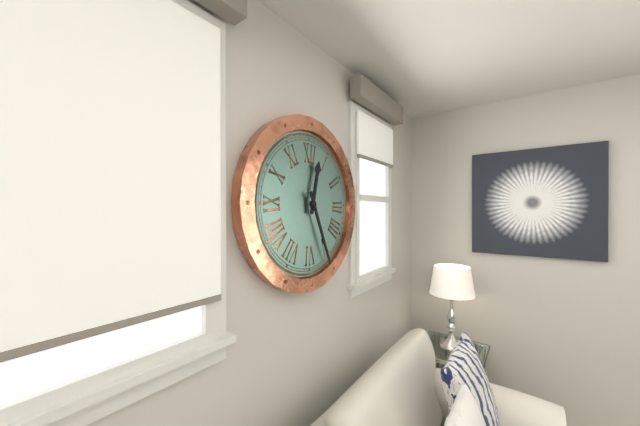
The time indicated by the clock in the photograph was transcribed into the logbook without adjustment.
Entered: 12:26
